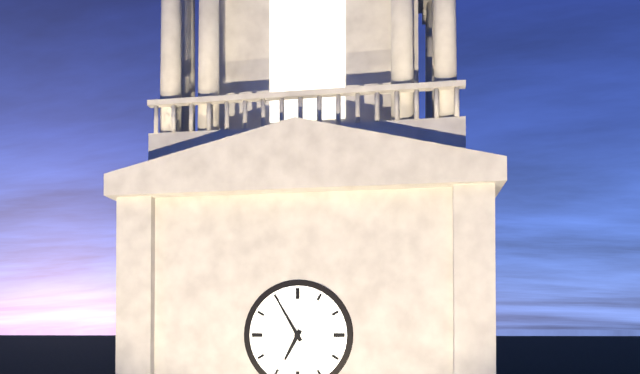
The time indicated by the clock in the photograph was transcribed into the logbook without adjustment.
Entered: 6:55
